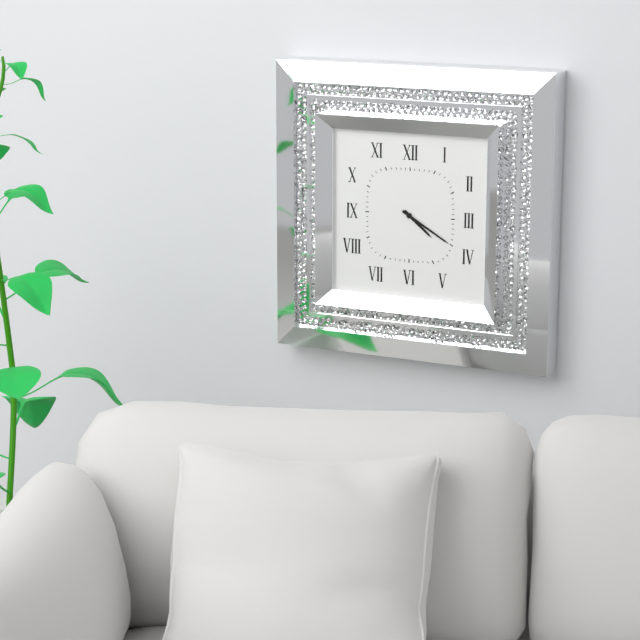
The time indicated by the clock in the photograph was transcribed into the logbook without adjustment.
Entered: 4:20
